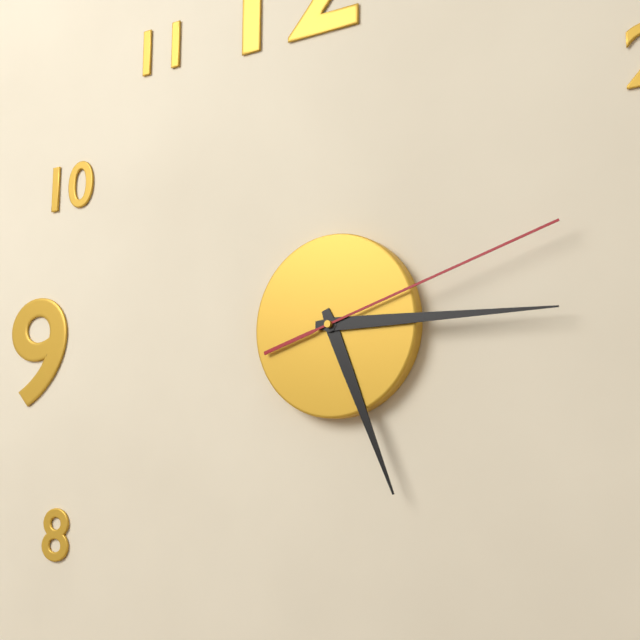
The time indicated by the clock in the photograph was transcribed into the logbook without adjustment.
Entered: 5:15:12
